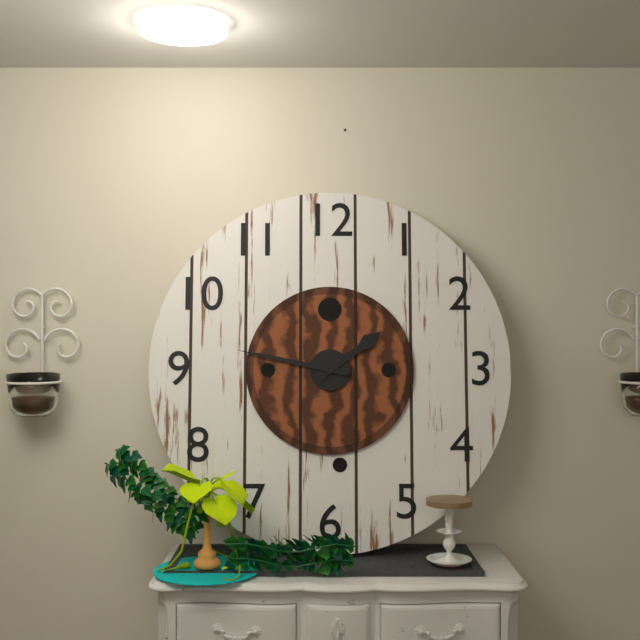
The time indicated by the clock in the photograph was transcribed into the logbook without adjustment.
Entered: 1:47
